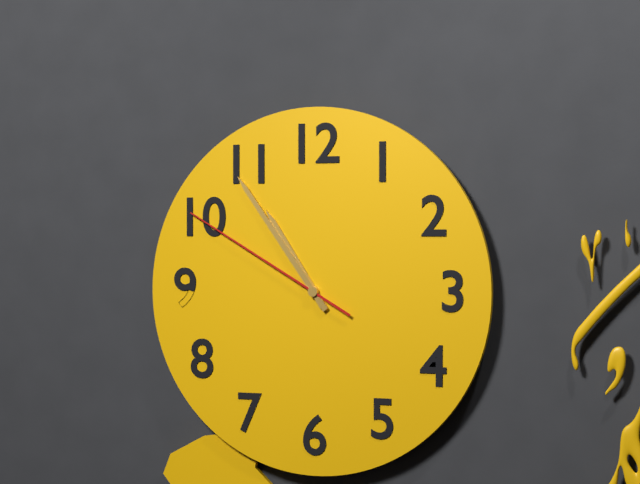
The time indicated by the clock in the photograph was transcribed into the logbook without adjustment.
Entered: 10:54:50
